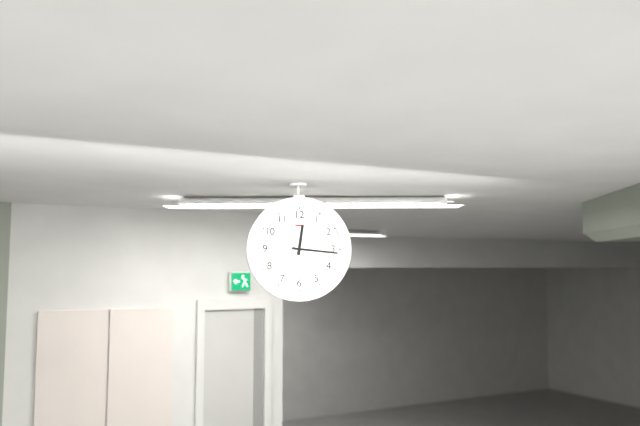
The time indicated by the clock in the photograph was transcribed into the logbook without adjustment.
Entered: 12:16
